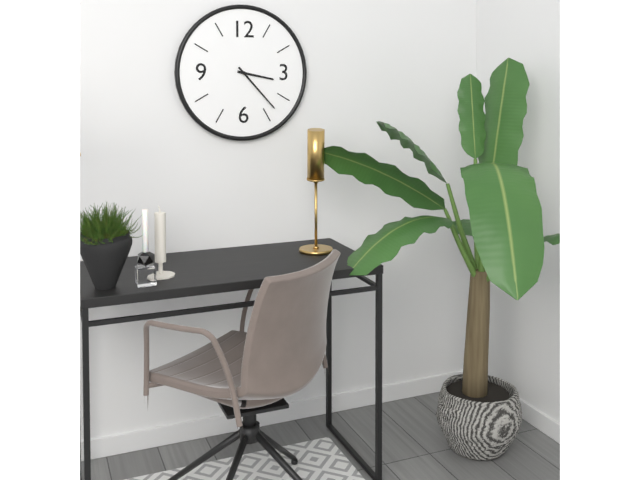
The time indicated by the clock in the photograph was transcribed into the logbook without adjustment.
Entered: 3:23
